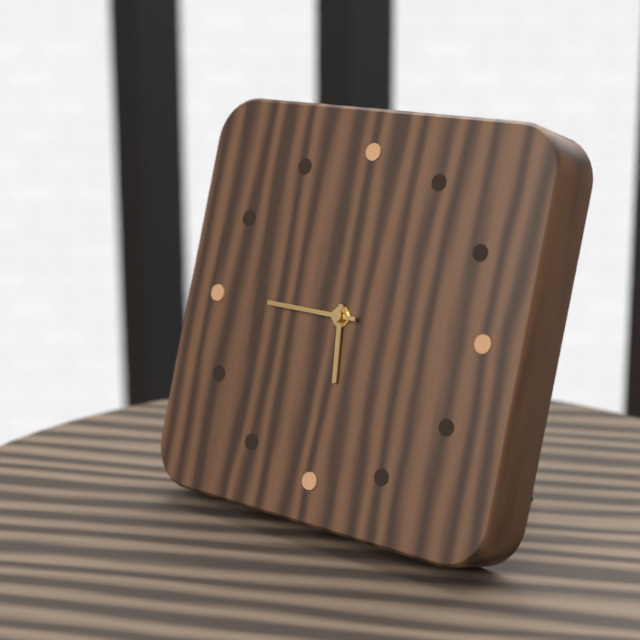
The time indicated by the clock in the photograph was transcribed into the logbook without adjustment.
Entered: 5:45
